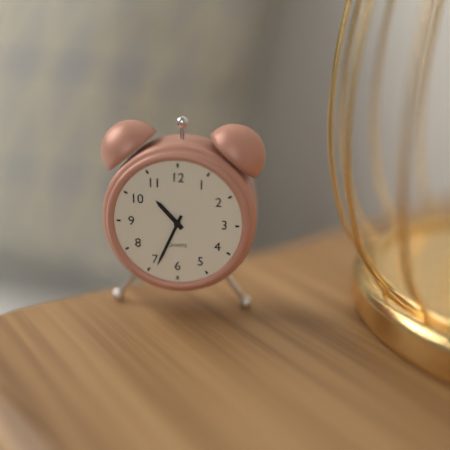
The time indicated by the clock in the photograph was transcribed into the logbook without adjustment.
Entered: 10:34
